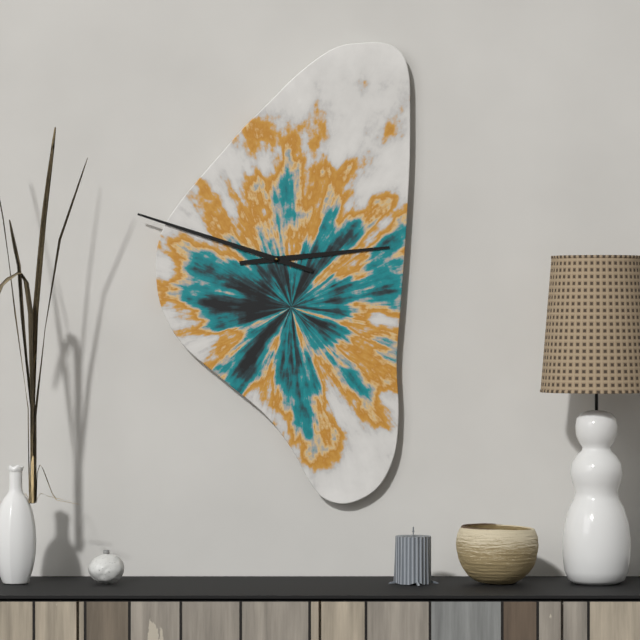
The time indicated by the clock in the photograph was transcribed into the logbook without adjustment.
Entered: 2:48
